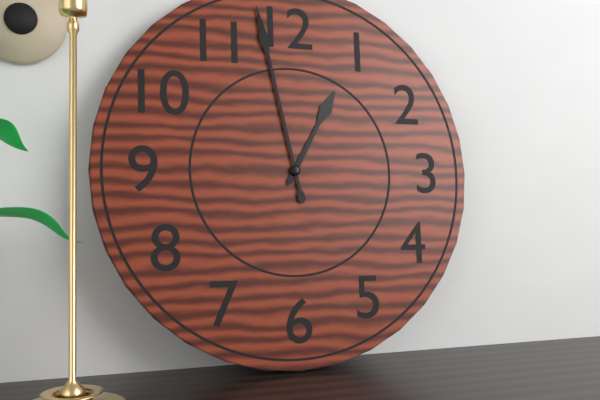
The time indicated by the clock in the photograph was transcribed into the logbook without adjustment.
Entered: 12:58
